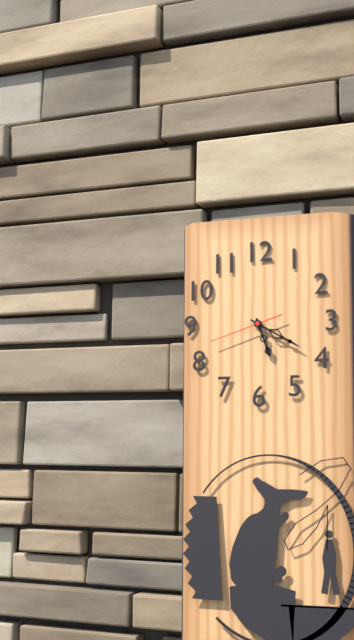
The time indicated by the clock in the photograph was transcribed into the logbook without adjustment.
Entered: 5:20:42
